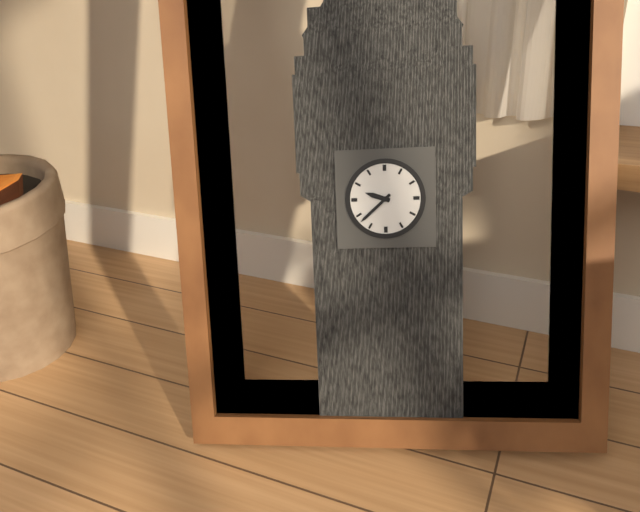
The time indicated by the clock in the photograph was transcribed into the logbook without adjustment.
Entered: 9:38
